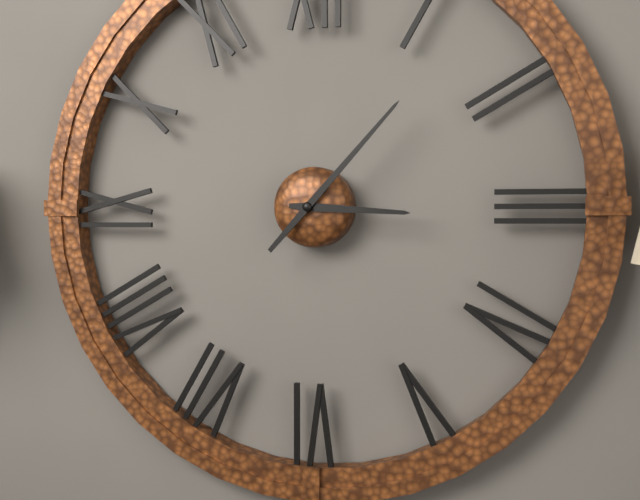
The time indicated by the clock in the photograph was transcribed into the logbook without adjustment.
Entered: 3:07
